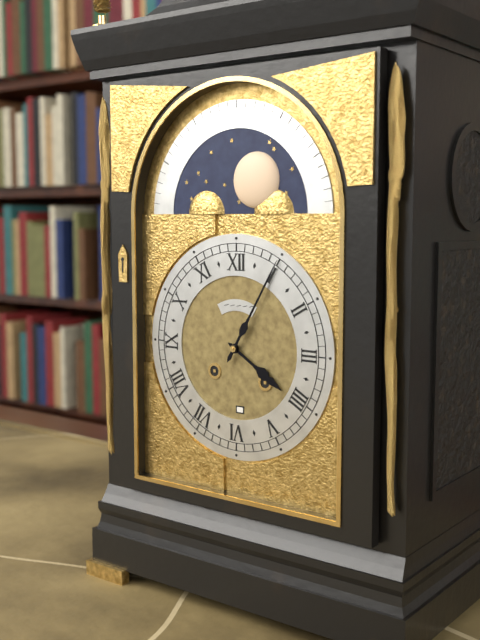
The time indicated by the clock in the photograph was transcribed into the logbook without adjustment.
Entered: 4:05
